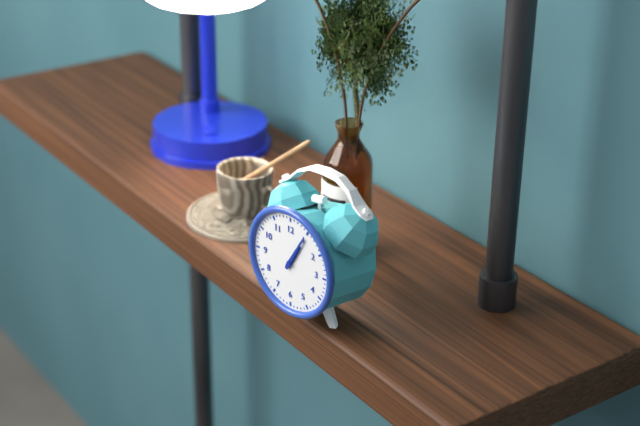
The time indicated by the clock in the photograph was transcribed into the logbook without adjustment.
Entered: 1:05
